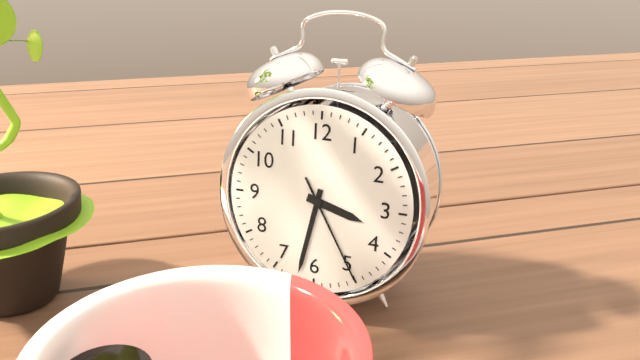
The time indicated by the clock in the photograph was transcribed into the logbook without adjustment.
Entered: 3:32:25
